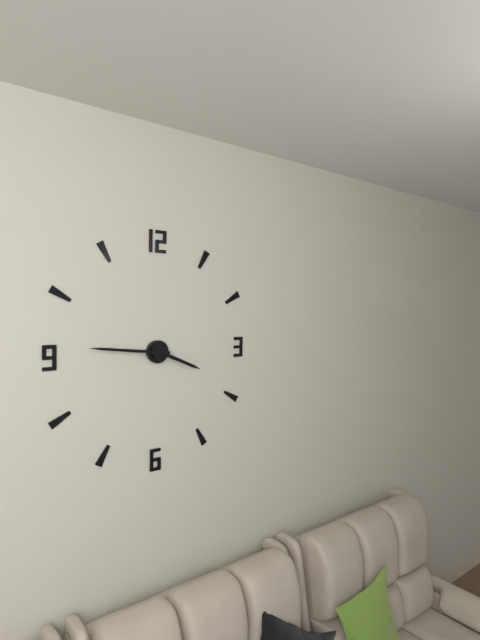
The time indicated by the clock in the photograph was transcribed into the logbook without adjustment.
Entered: 3:46
